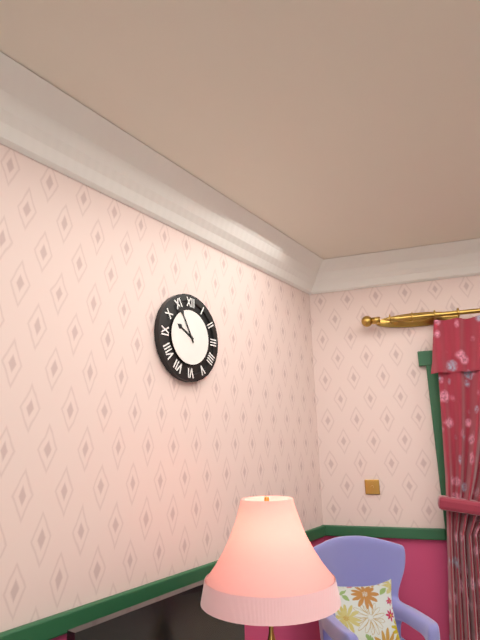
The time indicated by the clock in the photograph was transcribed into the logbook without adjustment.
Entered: 9:55
